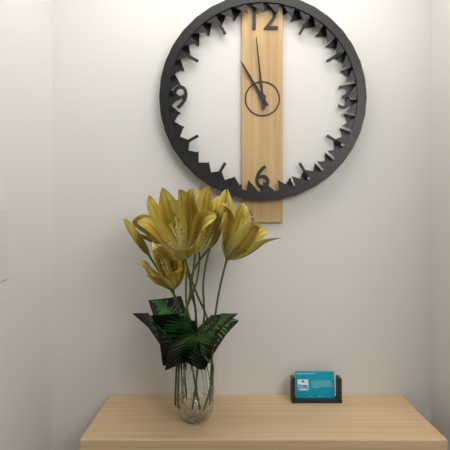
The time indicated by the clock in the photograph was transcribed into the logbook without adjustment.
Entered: 10:59
